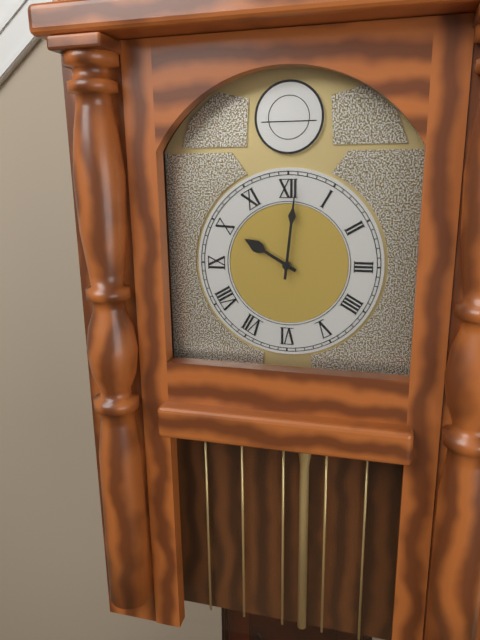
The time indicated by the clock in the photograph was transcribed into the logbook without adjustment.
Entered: 10:01
